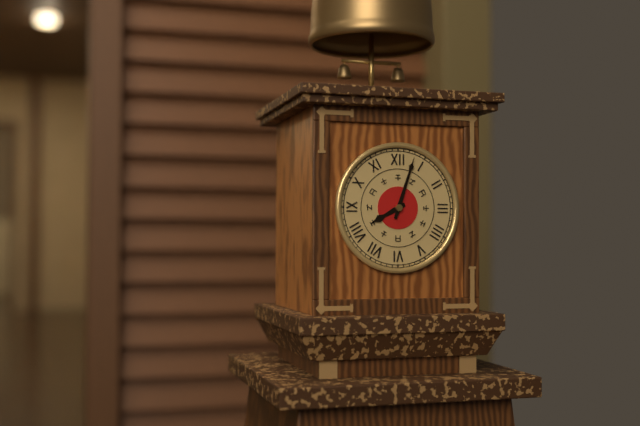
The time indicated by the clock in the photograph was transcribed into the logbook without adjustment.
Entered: 8:03
